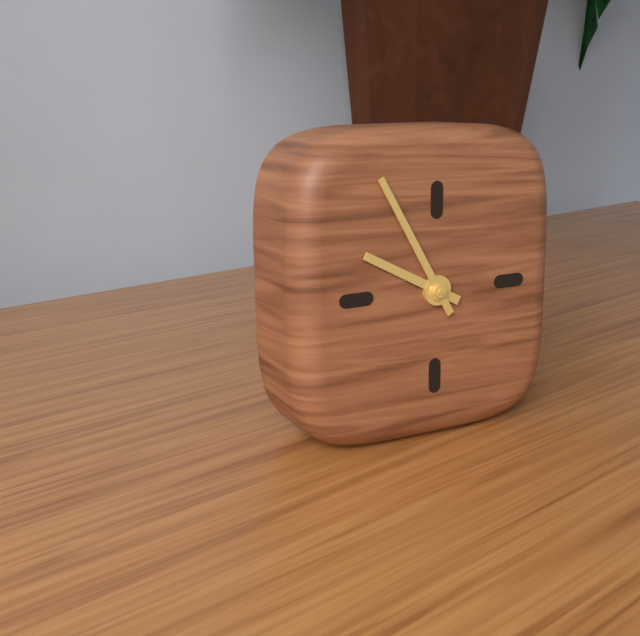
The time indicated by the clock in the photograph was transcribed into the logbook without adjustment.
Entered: 9:55
